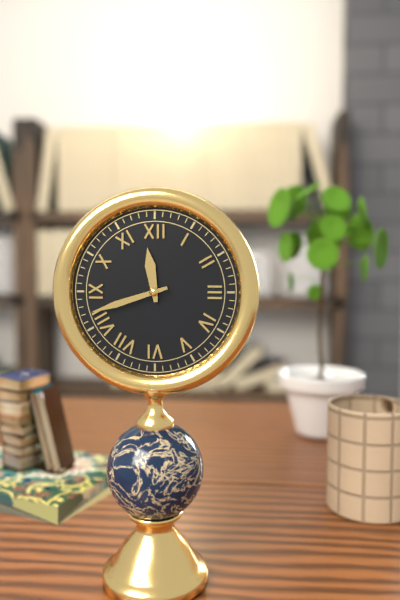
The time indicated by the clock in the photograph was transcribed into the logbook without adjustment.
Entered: 11:42
